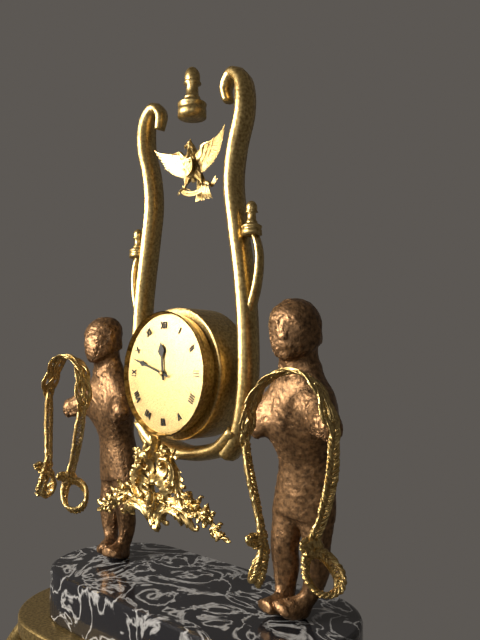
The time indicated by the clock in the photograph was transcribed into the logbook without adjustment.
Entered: 11:48
